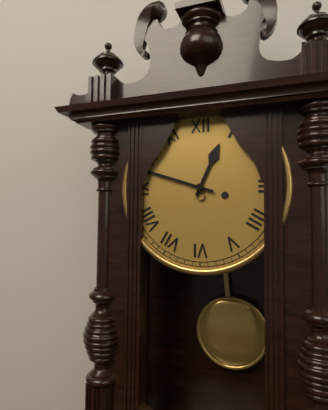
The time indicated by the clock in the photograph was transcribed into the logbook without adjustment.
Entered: 12:48
